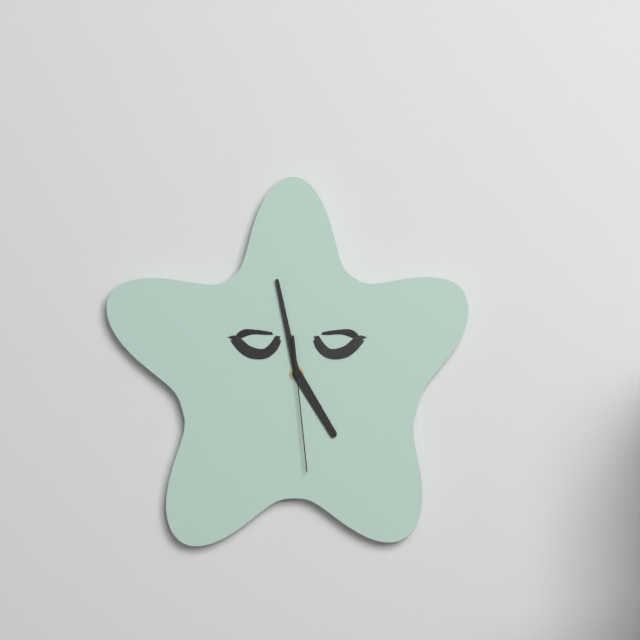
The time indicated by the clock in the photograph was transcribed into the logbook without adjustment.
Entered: 4:58:29
